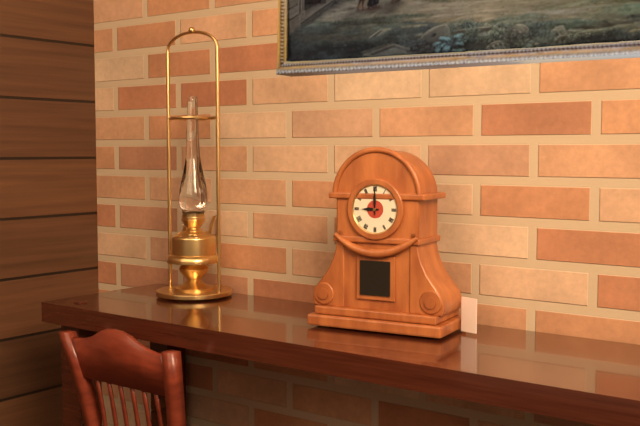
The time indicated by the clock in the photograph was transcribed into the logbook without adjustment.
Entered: 9:00
